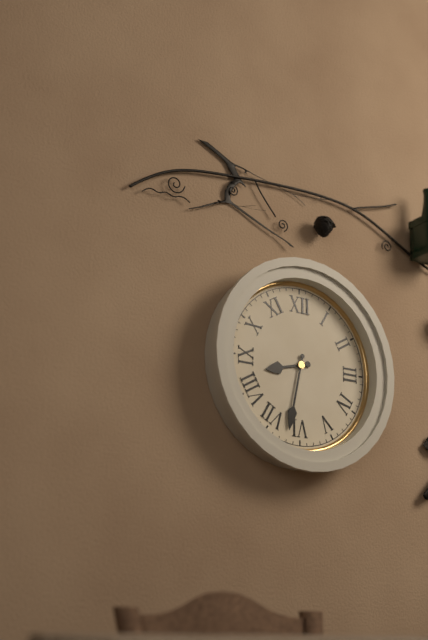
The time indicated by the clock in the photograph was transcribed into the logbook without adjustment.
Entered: 8:32
